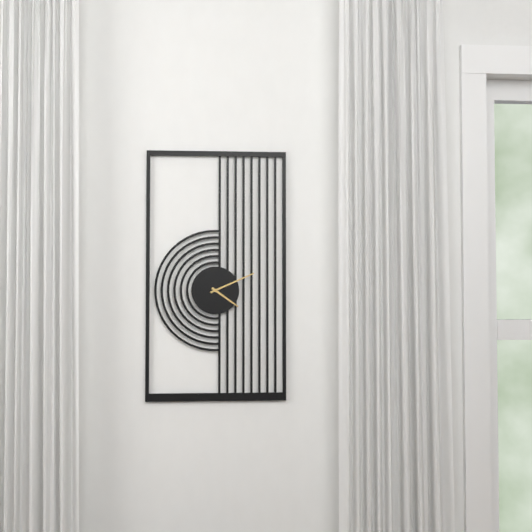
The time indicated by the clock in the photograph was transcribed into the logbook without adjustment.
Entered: 4:11
